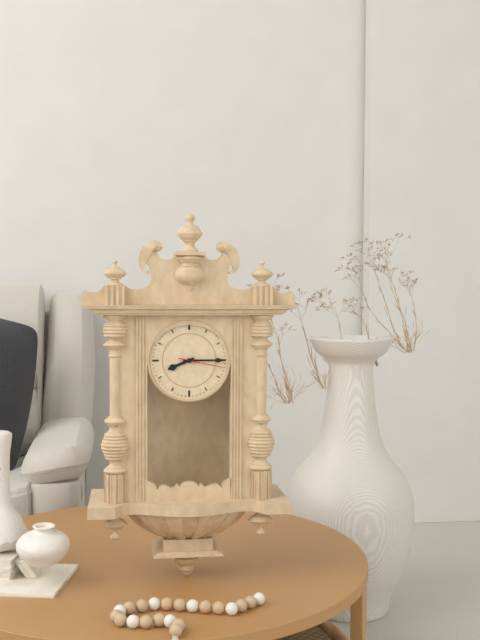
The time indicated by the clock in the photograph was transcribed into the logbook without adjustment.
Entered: 8:15
